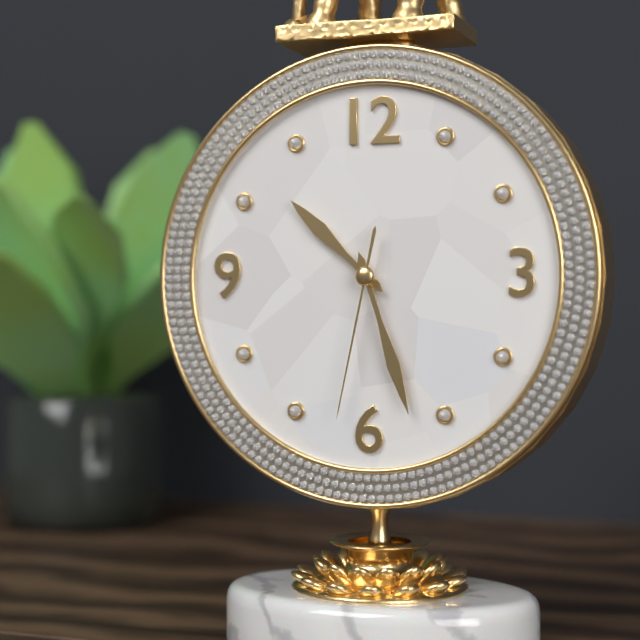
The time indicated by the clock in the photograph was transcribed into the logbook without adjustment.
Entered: 10:27:32
